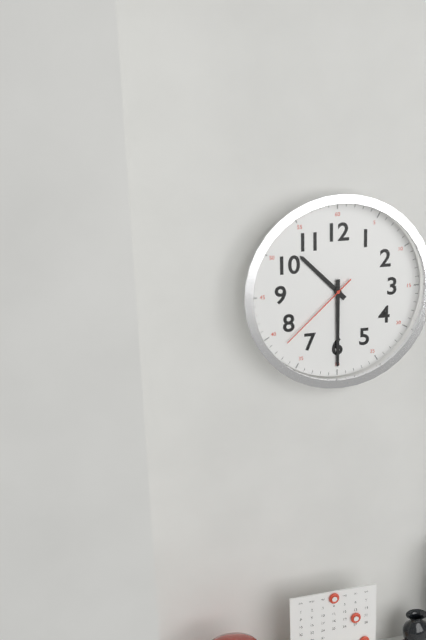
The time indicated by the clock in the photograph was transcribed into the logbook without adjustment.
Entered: 10:30:38
